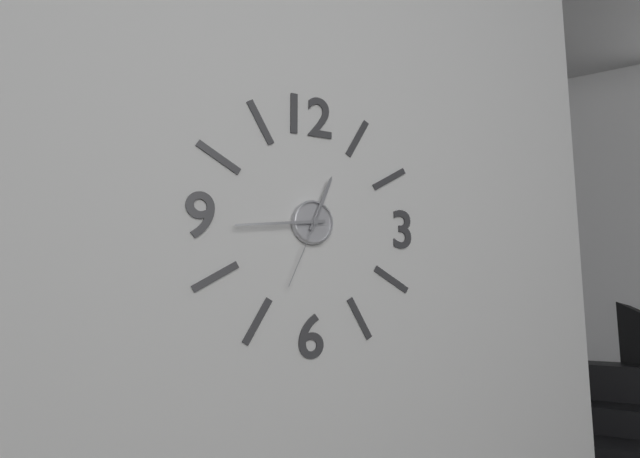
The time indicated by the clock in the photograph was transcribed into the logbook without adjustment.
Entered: 12:44:34
